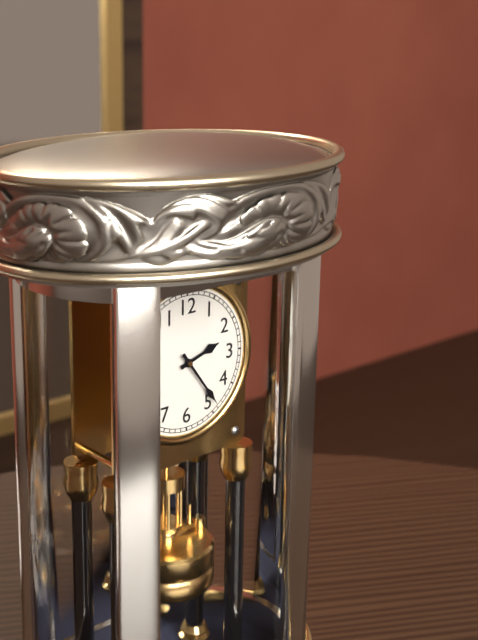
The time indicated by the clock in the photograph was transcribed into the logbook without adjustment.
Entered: 2:24
